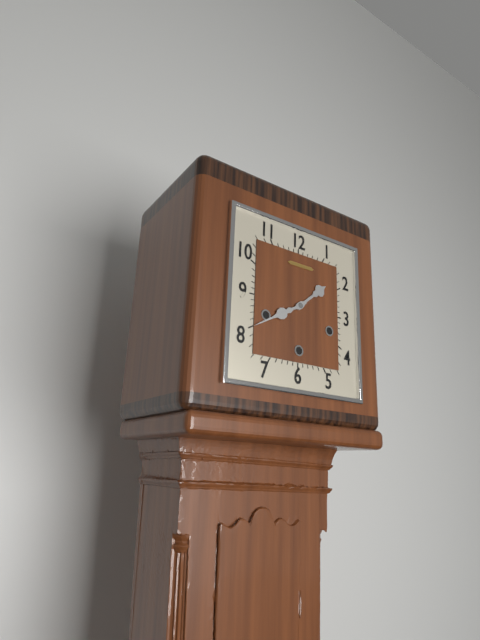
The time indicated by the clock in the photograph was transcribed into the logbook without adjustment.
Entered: 1:40
